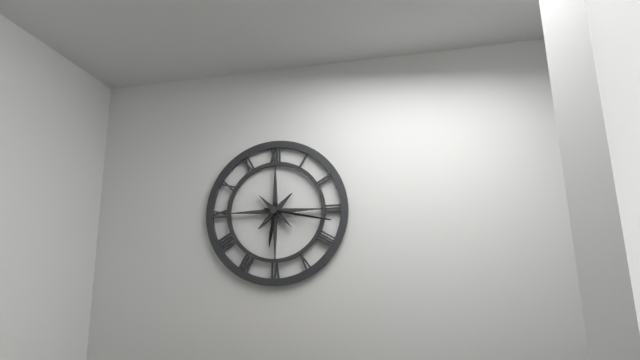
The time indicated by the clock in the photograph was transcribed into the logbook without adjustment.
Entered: 6:17
